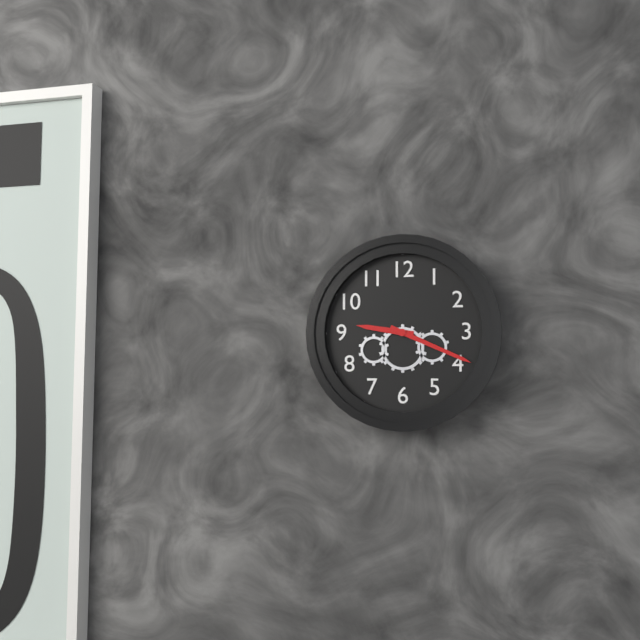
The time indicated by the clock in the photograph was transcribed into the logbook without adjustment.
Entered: 9:19
